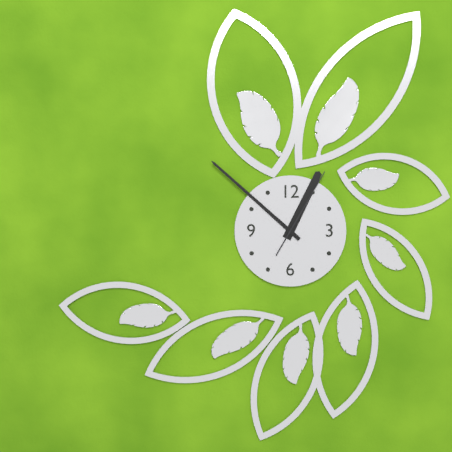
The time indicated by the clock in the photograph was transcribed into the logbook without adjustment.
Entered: 12:52:05
